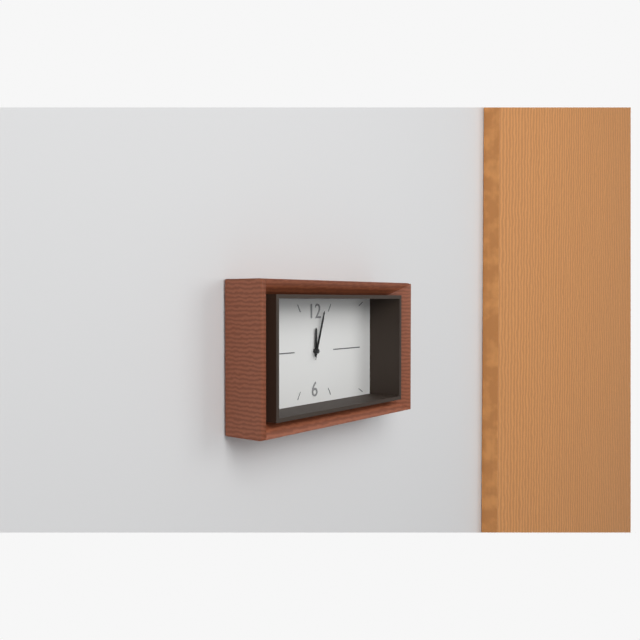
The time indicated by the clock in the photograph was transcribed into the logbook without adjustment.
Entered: 12:03
